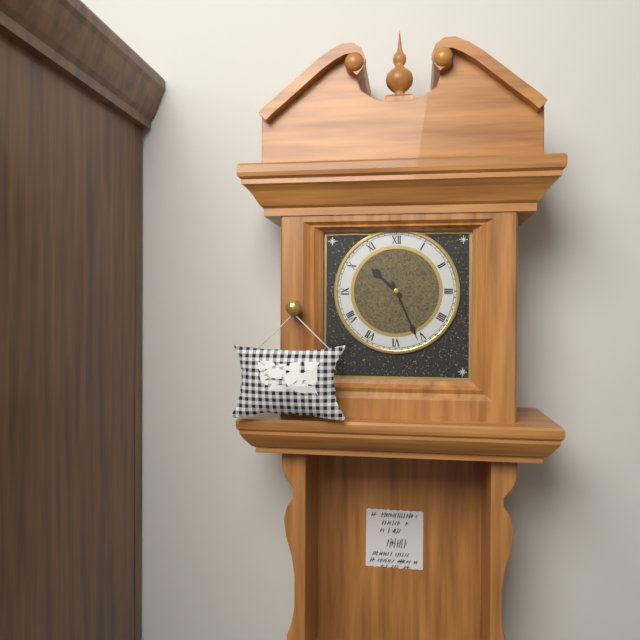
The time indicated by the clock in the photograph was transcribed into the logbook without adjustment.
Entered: 10:26
